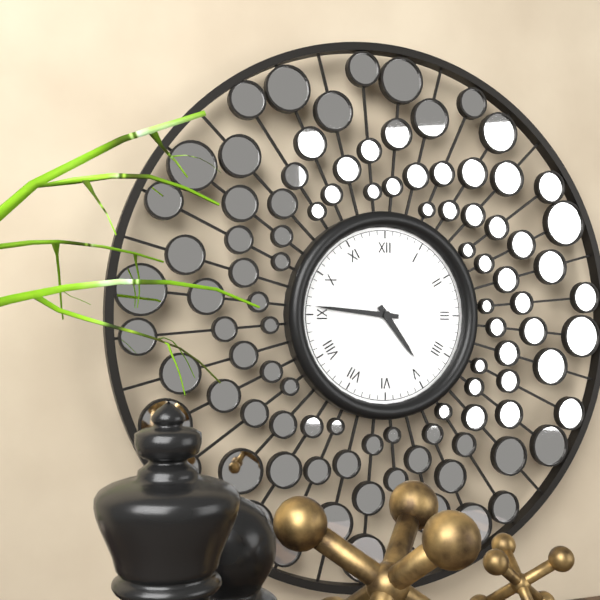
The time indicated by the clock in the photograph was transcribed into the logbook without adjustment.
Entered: 4:46
